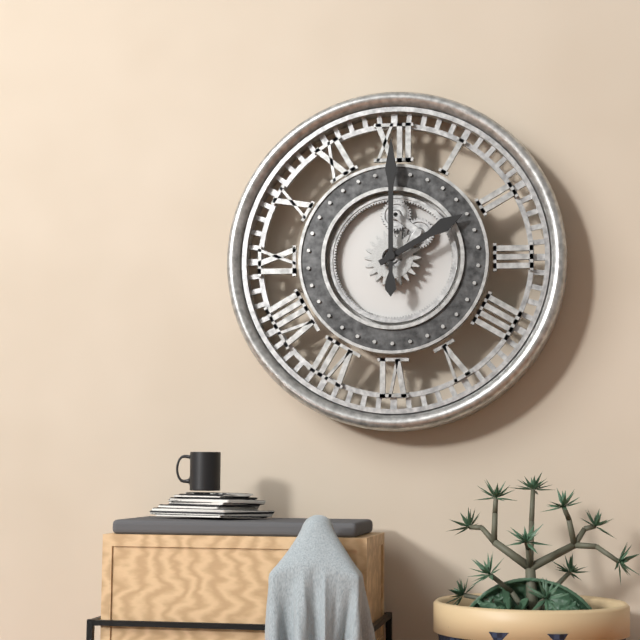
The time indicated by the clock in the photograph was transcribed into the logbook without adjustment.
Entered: 2:00
